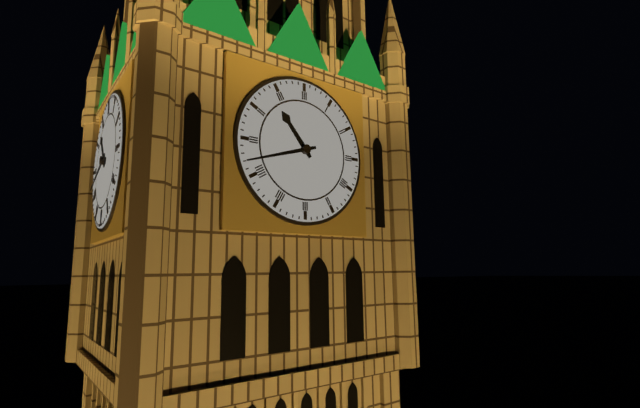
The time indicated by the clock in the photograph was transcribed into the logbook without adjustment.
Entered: 10:42
